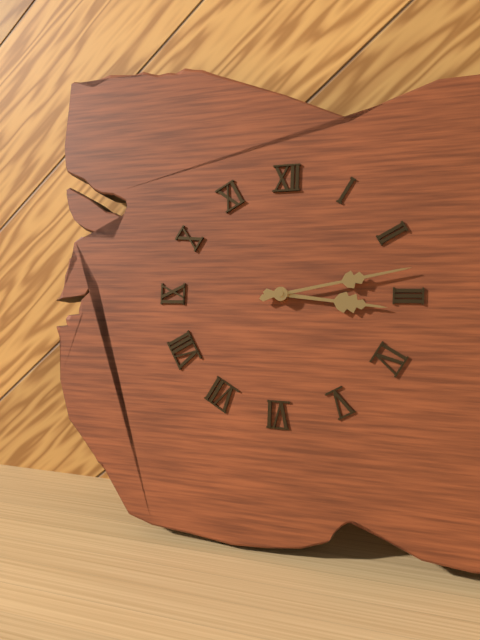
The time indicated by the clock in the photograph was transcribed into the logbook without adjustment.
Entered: 3:13
